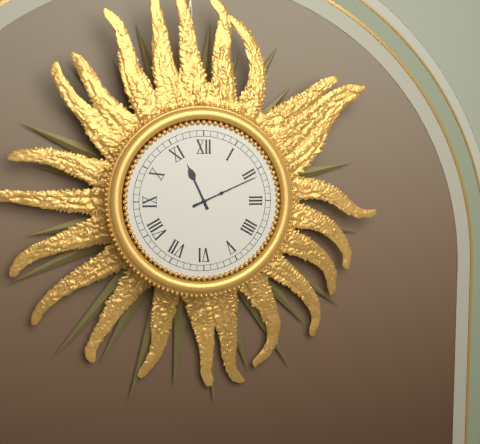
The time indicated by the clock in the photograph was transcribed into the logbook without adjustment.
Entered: 11:11
